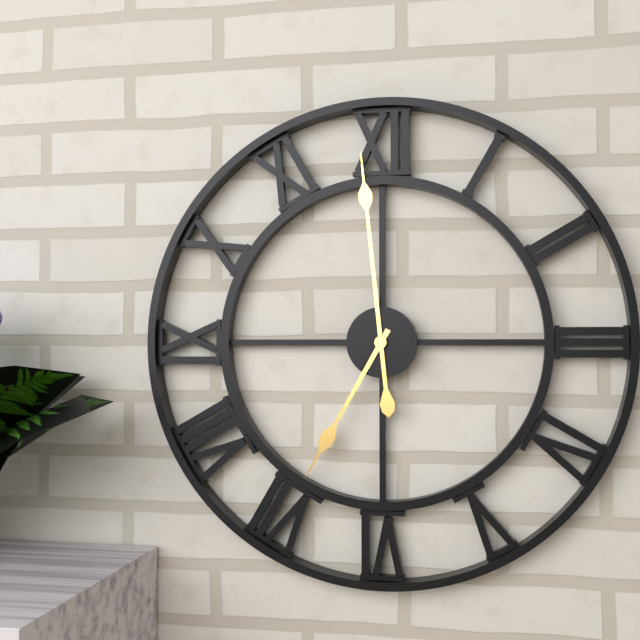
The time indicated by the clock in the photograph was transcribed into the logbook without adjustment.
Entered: 6:59
